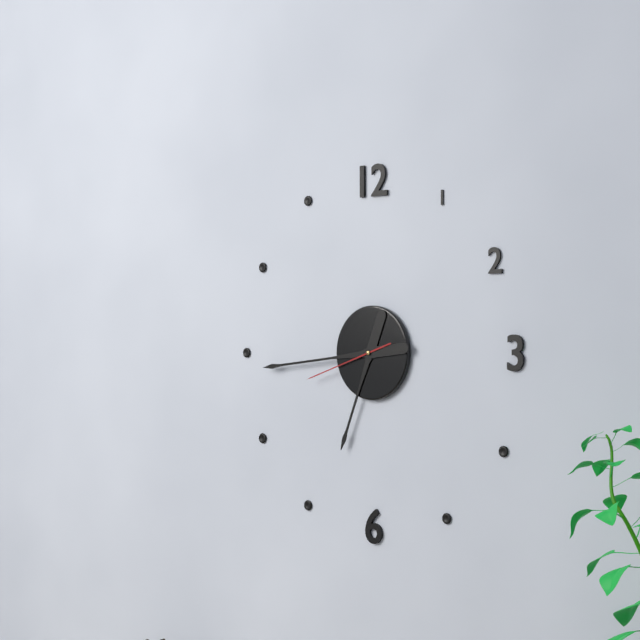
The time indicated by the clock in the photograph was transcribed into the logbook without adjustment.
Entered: 6:44:42
